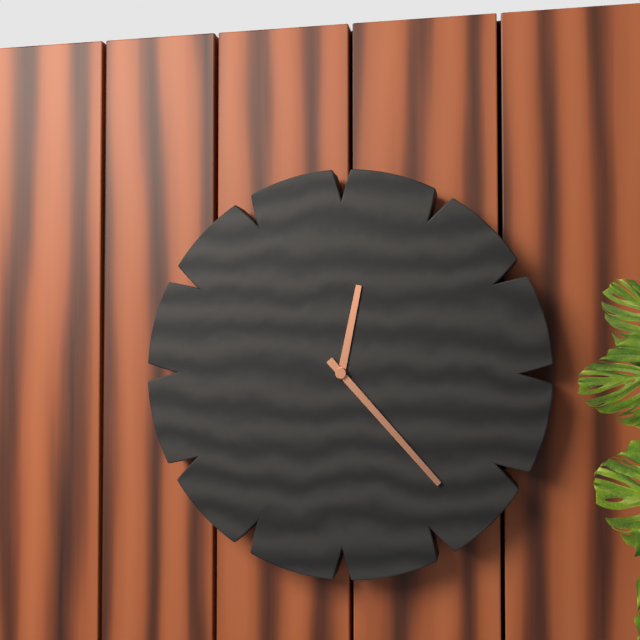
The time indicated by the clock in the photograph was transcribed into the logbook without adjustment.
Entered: 12:23
